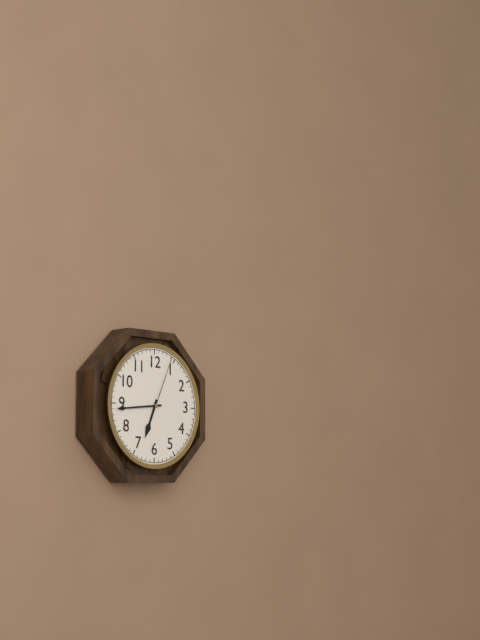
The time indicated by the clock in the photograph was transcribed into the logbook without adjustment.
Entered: 6:44:04
